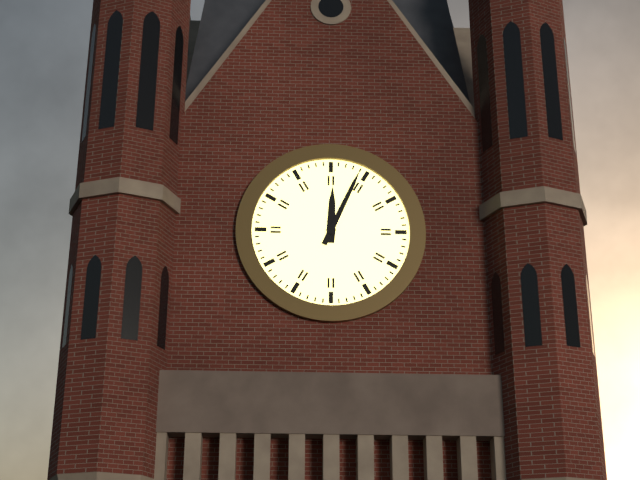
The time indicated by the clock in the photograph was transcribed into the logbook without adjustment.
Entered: 12:04
